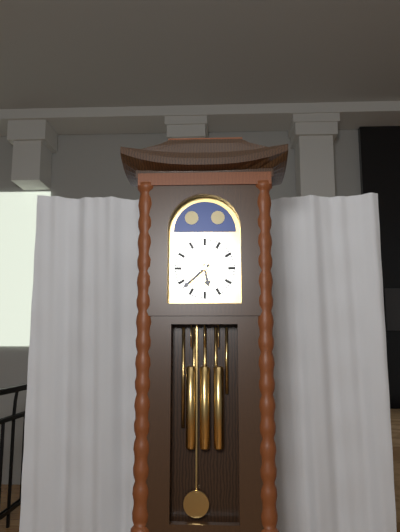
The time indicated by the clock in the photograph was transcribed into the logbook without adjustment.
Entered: 5:38
